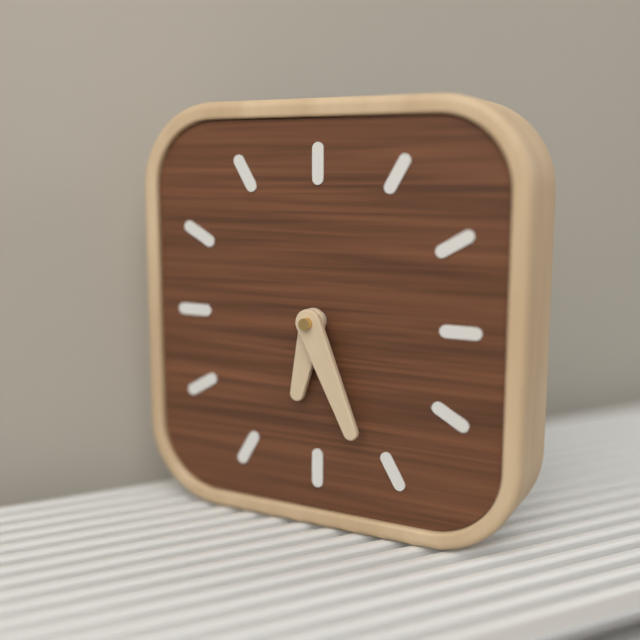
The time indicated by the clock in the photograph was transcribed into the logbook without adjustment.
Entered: 6:26
